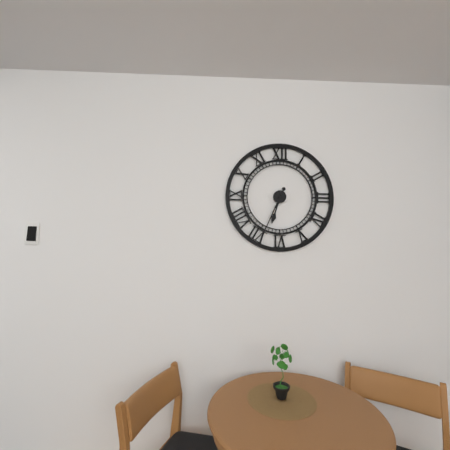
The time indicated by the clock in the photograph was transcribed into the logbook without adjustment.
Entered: 6:34
